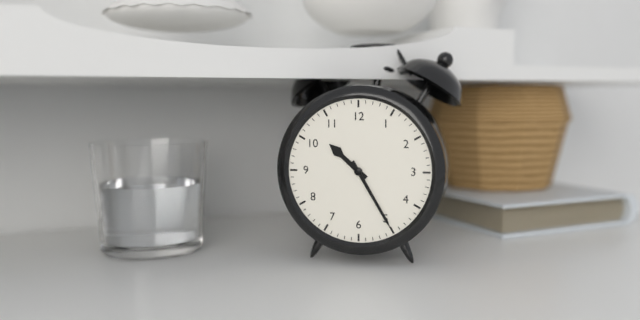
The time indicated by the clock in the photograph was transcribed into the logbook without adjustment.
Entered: 10:25
